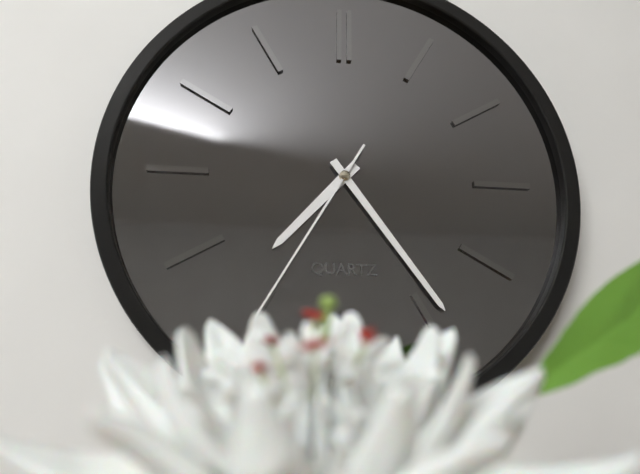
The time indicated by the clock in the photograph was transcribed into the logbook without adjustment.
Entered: 7:24:35
